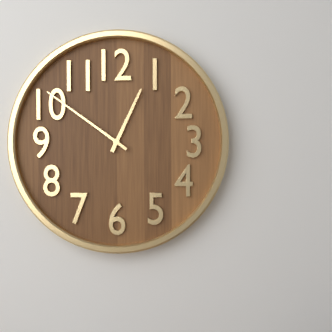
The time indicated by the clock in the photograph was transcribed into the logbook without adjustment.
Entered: 12:51
